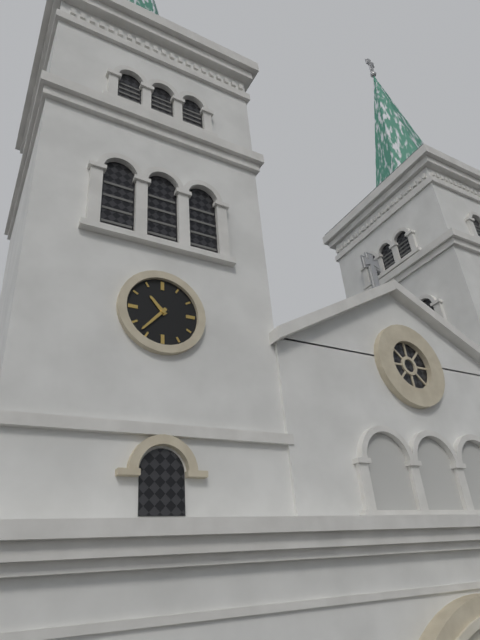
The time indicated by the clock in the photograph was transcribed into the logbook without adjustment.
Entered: 10:37
